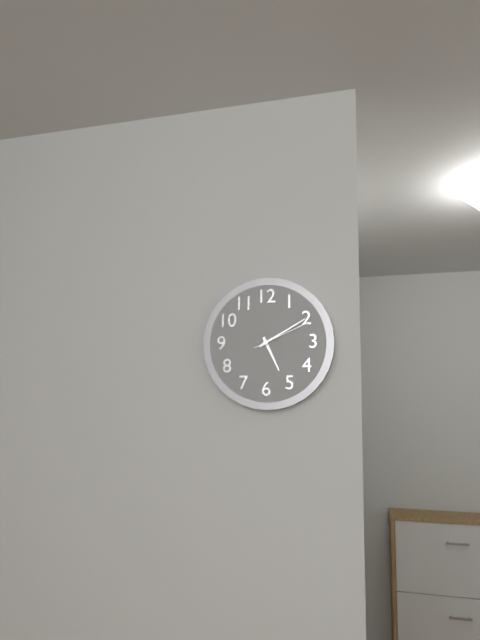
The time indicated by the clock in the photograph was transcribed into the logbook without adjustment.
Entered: 5:10:11
